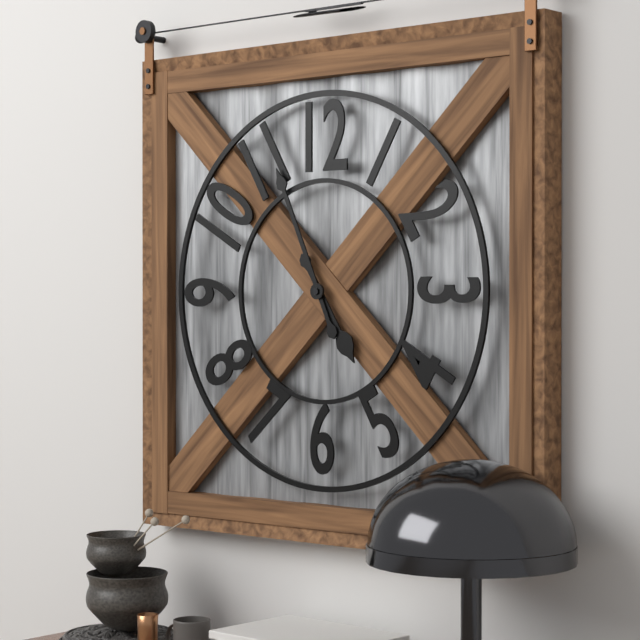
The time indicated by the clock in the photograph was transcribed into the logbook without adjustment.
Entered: 4:56
